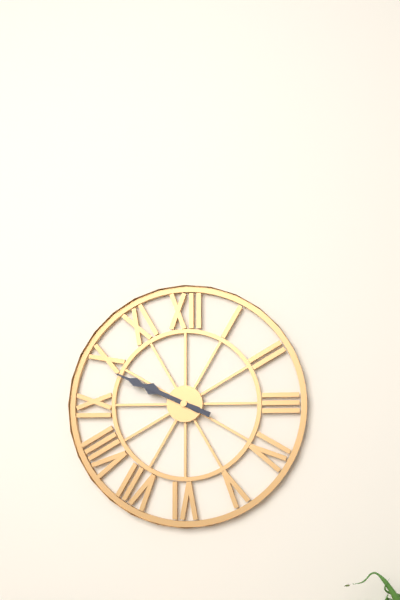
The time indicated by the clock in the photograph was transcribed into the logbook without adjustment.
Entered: 9:49
